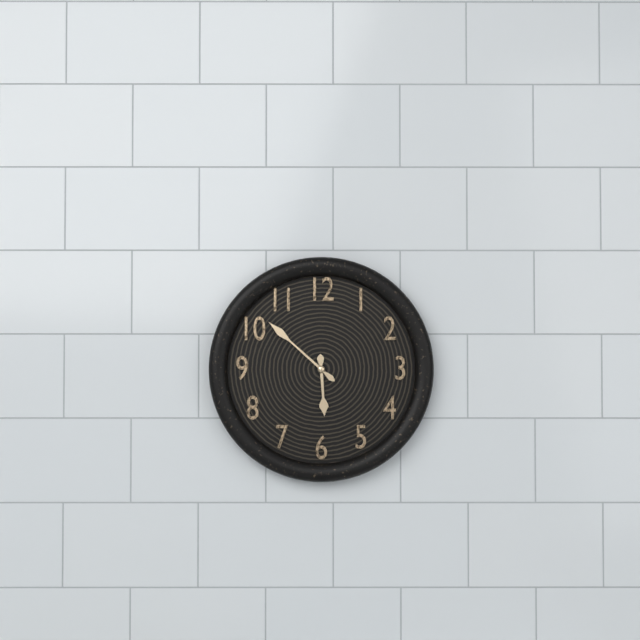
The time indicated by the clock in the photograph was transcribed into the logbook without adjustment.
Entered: 5:52
